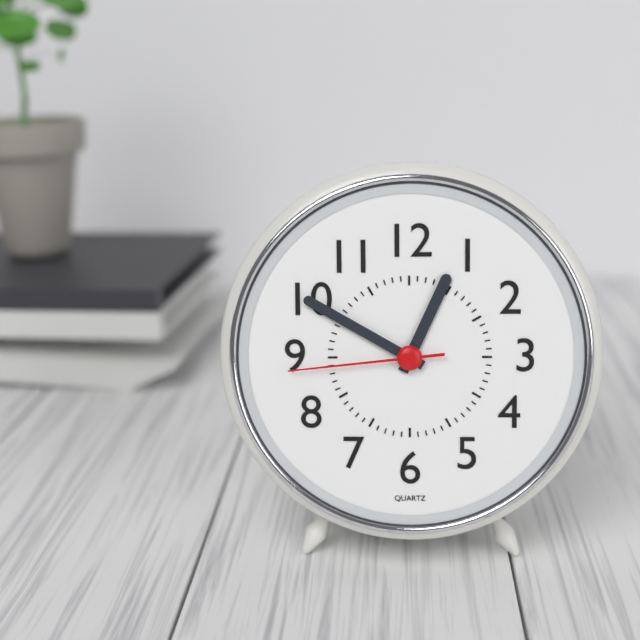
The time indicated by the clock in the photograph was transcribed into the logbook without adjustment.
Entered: 12:50:44
